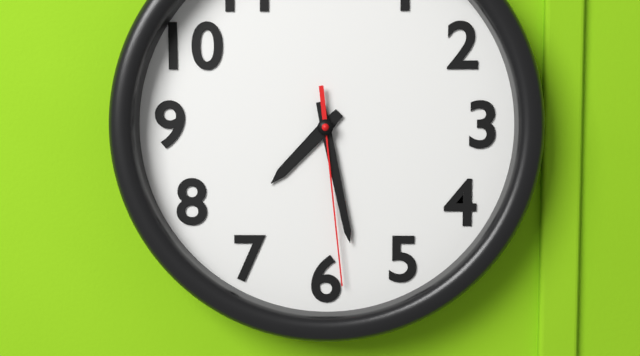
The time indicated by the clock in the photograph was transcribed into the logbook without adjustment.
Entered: 7:28:29
